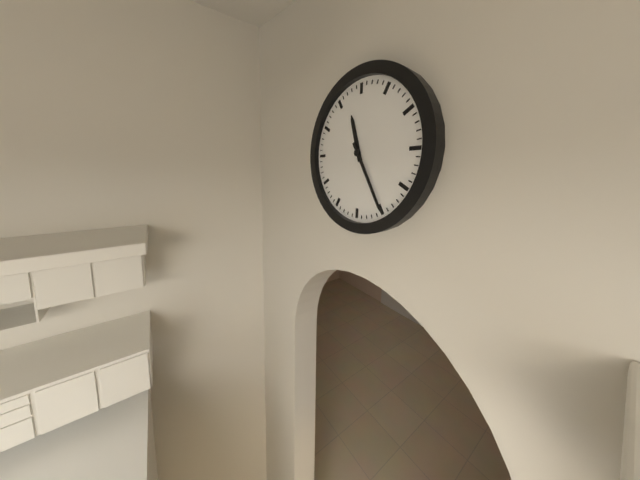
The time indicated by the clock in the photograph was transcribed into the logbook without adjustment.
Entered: 11:25
